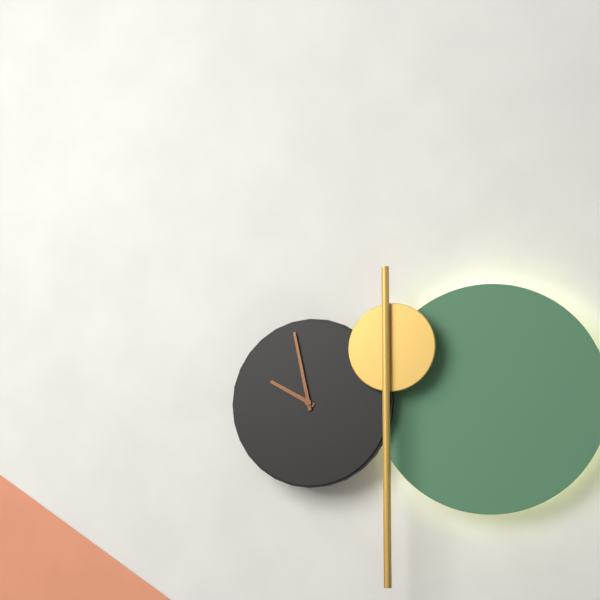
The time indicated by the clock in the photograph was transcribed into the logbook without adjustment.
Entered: 9:58
